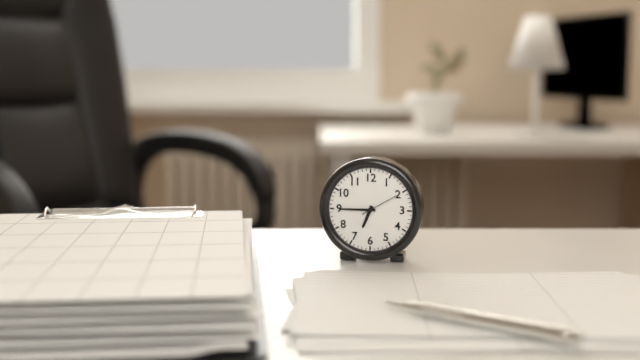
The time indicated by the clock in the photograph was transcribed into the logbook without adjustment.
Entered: 6:45
